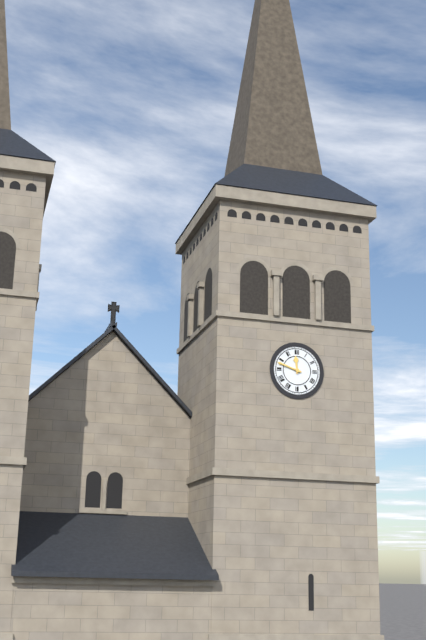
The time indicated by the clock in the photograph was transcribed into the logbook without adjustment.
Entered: 11:48
